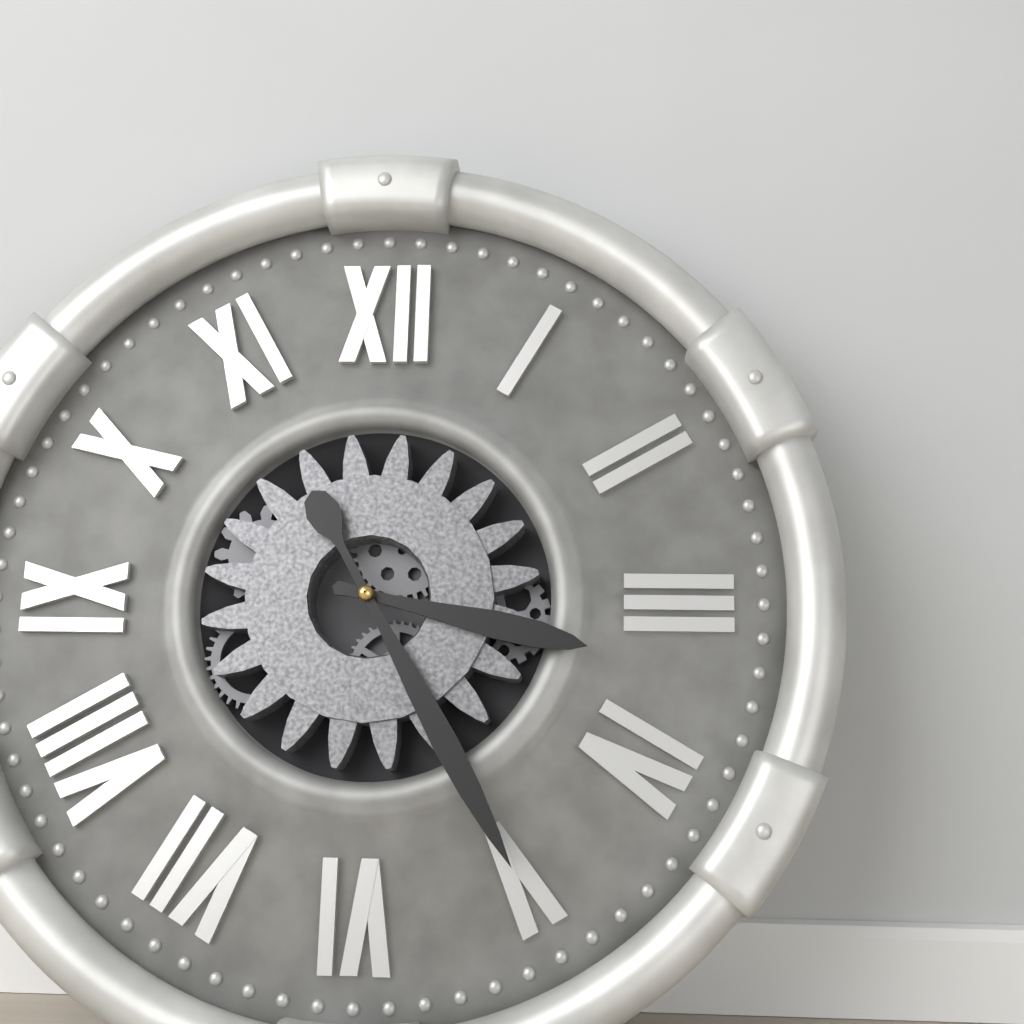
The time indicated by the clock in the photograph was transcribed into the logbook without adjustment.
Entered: 3:25
